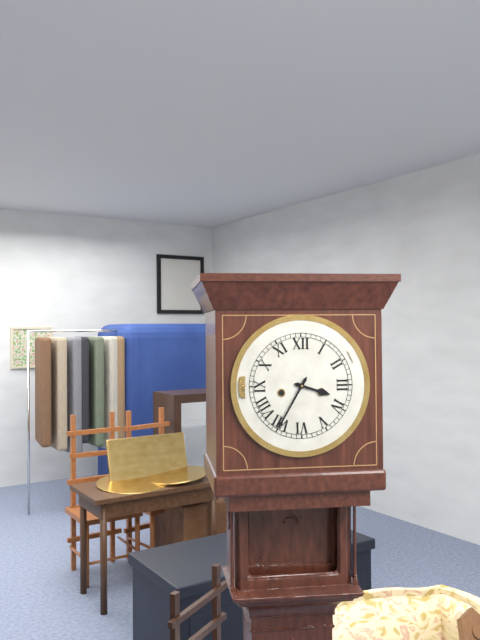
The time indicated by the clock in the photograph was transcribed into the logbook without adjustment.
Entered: 3:35
